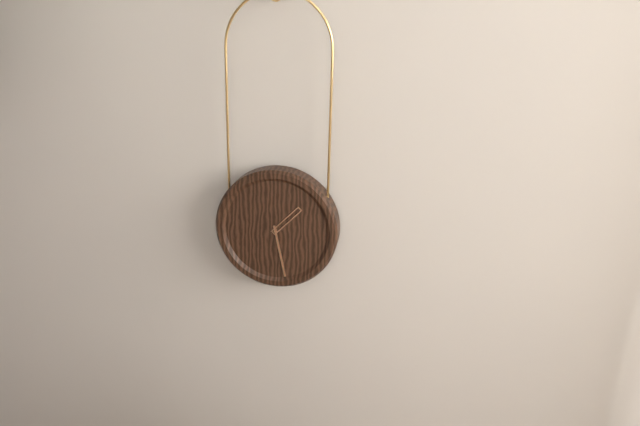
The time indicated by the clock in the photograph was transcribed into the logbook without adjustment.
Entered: 1:28
